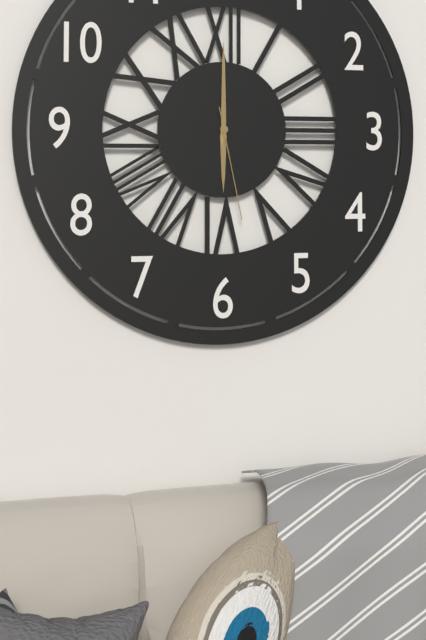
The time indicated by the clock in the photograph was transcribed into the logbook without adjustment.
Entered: 6:00:28
